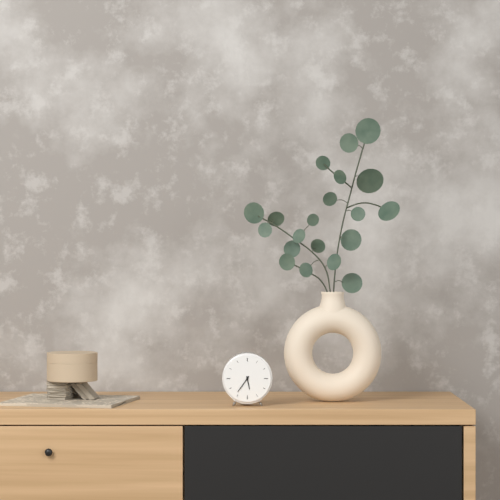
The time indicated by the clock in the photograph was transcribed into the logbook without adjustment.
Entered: 5:36
